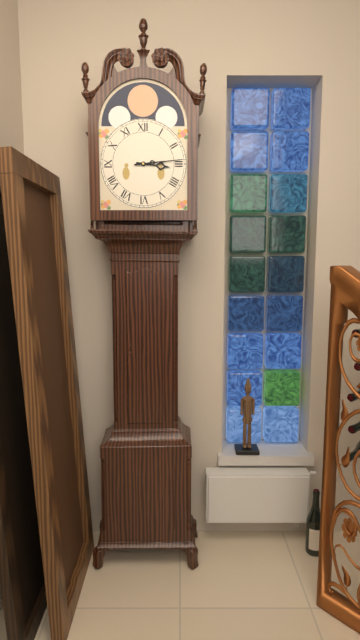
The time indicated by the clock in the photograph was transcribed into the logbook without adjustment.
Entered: 3:14
